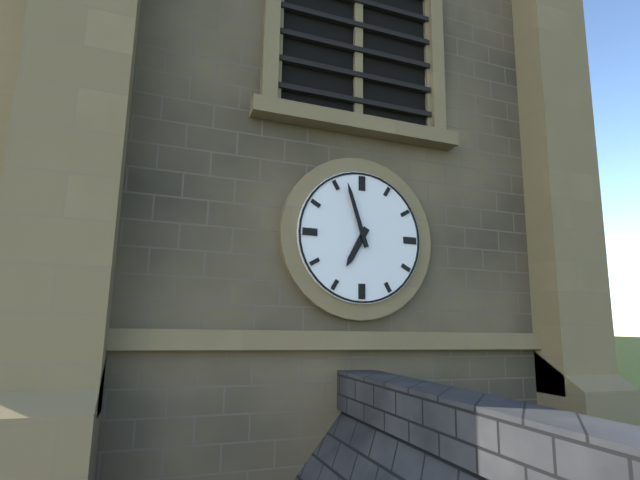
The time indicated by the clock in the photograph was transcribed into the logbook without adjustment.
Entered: 6:57
